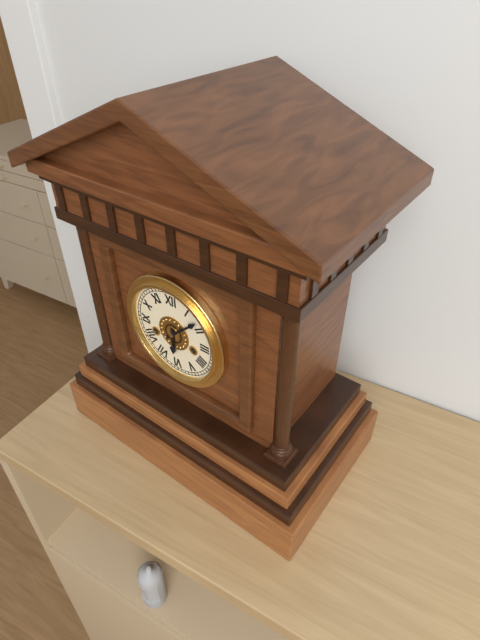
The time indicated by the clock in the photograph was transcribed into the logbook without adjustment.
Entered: 6:08
